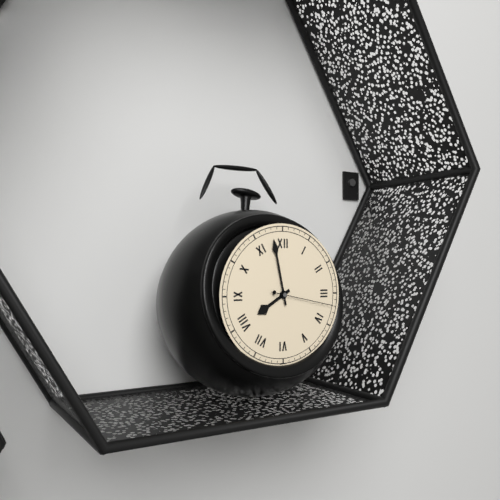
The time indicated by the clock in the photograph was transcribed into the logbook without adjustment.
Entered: 7:58:17
